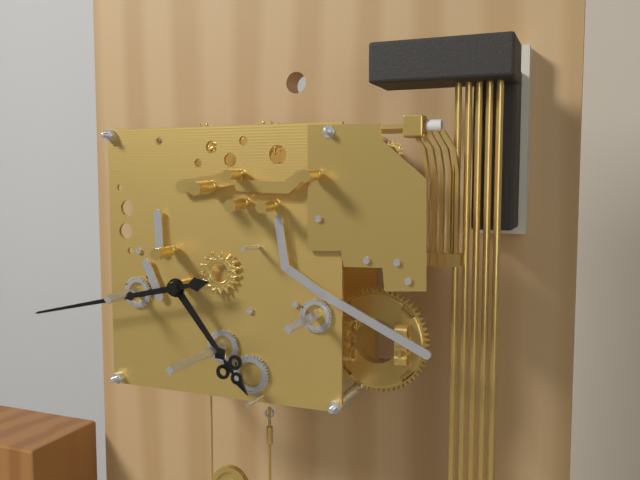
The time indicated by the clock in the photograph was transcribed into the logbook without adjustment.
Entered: 4:43
